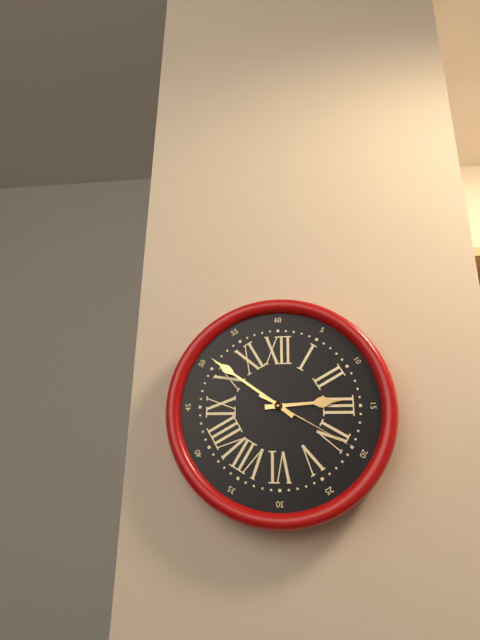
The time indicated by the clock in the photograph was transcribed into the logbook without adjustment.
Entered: 2:51:20
